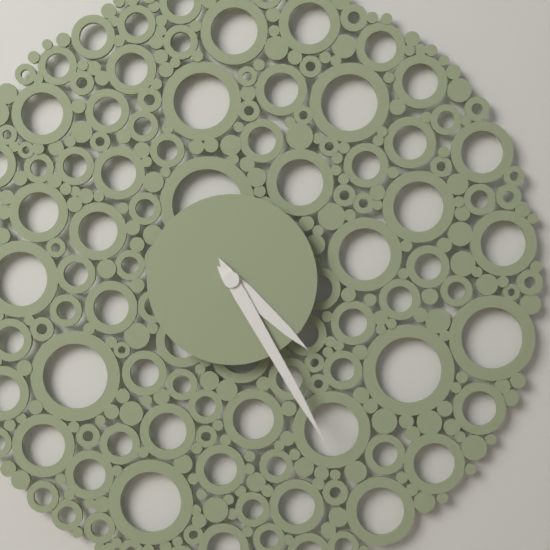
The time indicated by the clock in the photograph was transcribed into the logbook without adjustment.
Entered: 4:25
